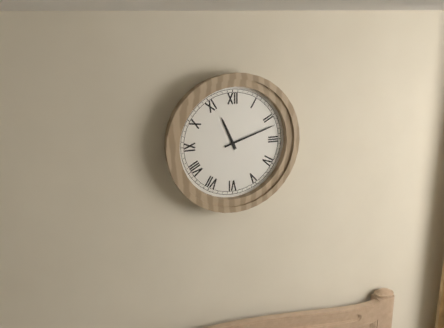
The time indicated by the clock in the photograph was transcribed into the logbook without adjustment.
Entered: 11:12
